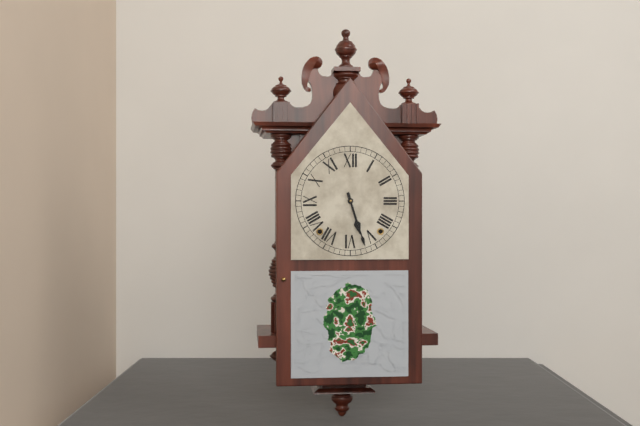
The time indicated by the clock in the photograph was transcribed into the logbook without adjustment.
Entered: 5:27
